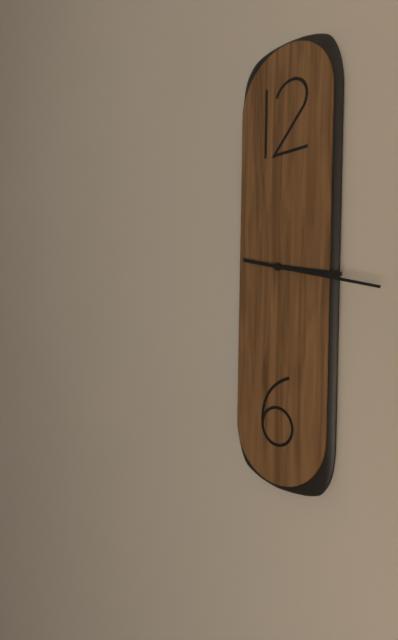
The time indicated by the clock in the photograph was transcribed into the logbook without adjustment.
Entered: 3:17
